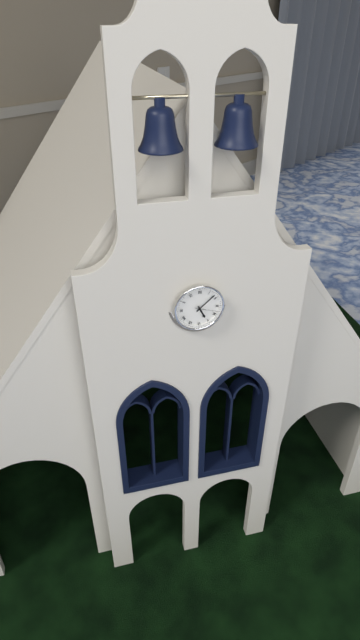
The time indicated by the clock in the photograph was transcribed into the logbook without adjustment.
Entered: 5:08
